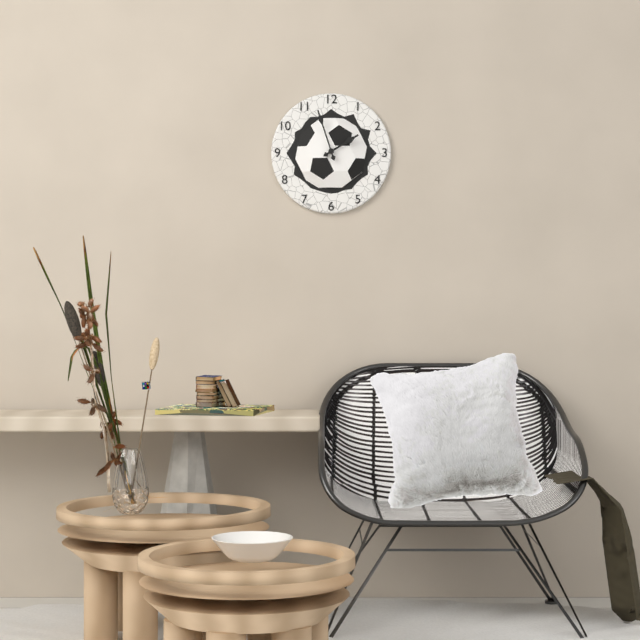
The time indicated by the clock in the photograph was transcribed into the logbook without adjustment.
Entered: 1:57
